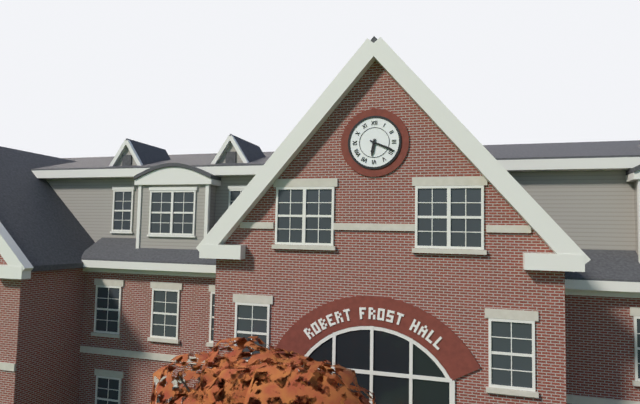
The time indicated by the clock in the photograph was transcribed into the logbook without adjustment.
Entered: 6:19
